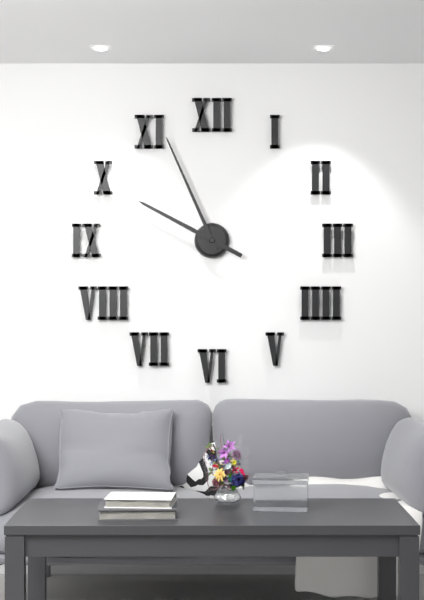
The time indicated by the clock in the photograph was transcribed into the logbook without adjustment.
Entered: 9:56
